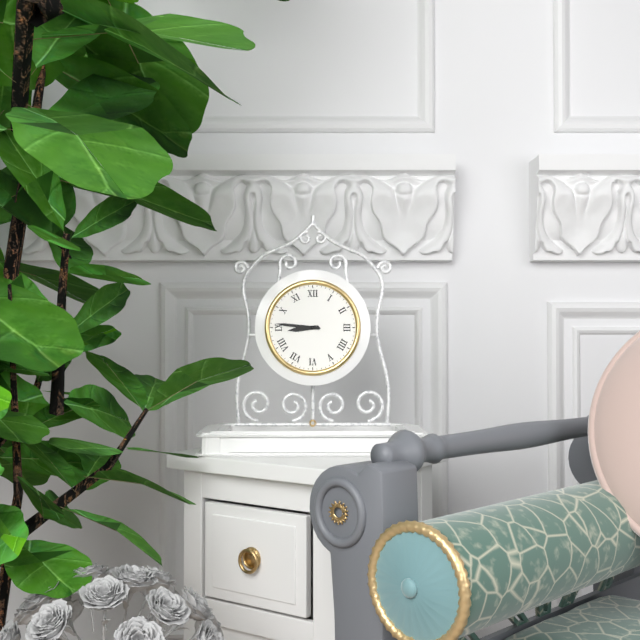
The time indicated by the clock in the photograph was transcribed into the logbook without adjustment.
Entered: 8:46
